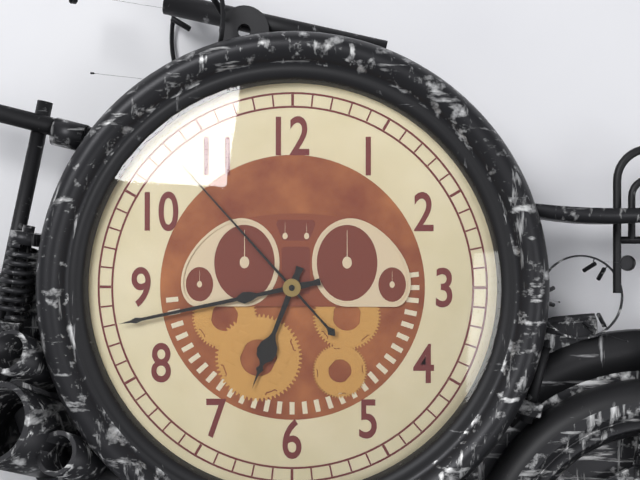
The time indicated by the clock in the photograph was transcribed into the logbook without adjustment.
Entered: 6:43:53
